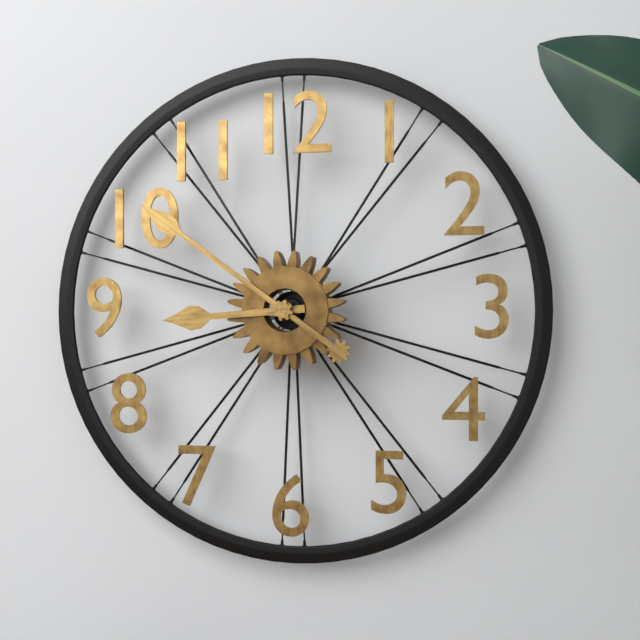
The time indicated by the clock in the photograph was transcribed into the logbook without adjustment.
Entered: 8:51
